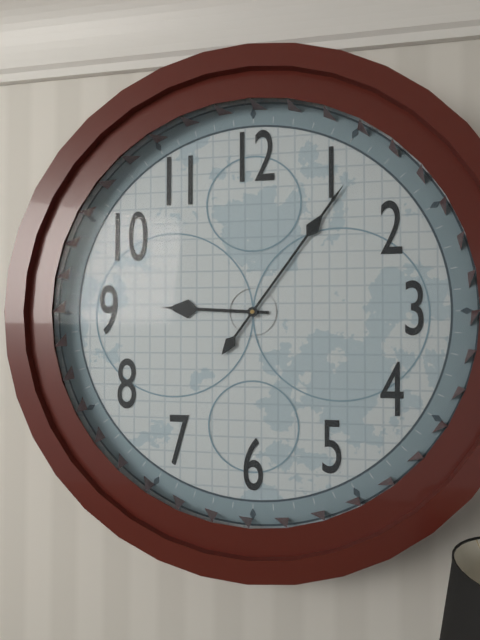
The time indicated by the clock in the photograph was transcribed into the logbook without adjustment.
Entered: 9:06
